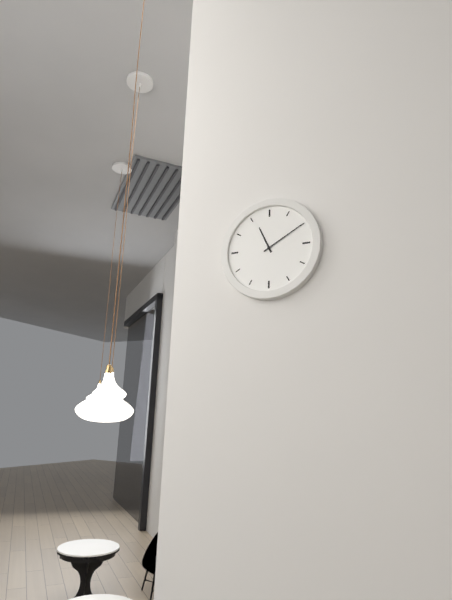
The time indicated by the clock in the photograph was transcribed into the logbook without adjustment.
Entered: 11:10
